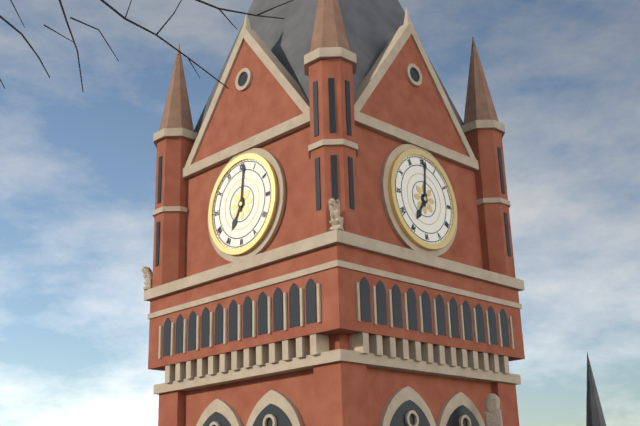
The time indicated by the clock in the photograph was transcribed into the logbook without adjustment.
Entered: 7:01
